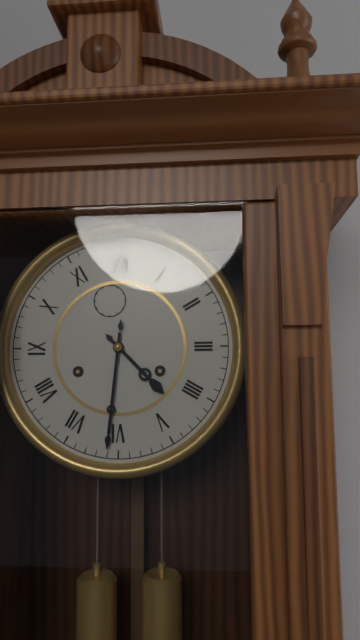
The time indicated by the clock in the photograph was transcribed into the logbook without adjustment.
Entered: 4:31
